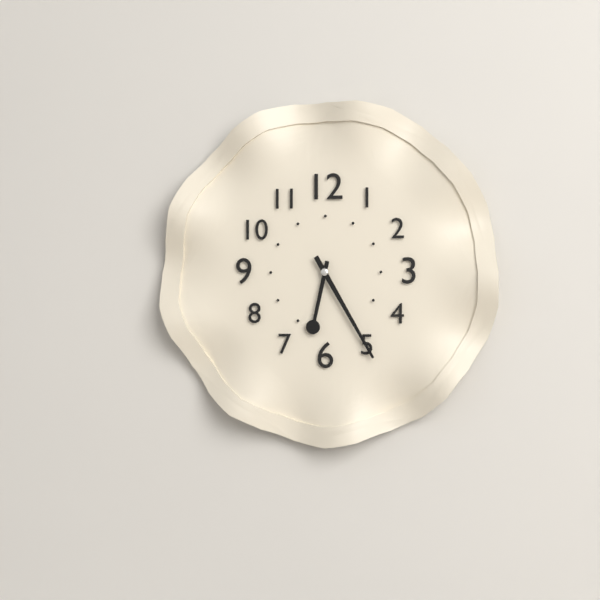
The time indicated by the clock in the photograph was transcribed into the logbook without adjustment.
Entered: 6:25
